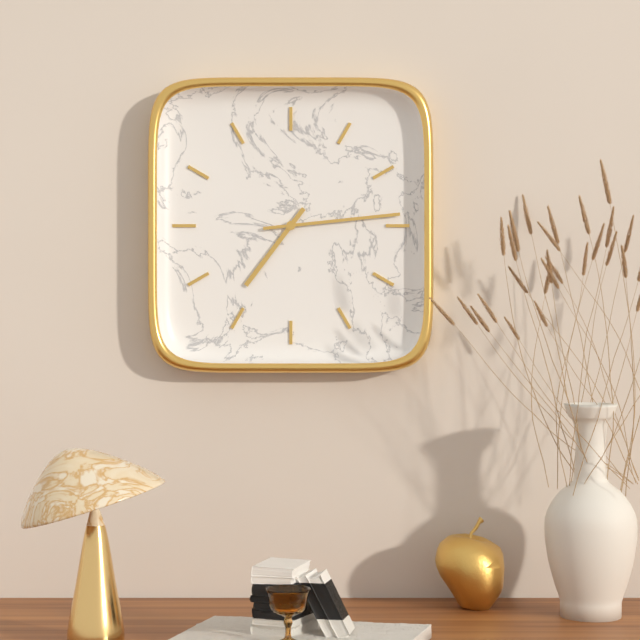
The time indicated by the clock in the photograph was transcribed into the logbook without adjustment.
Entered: 7:14
